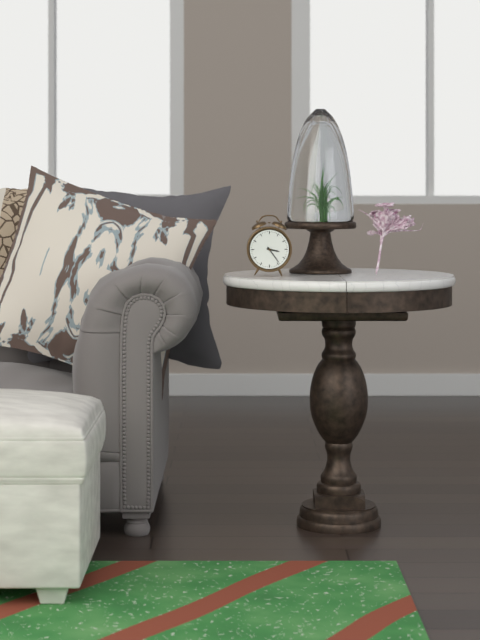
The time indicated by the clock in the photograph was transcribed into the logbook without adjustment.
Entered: 3:24
